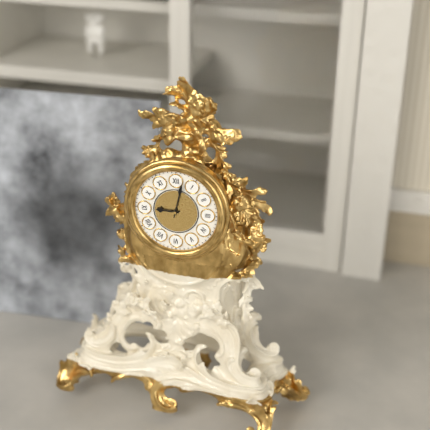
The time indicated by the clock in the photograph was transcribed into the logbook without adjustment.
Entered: 9:02
